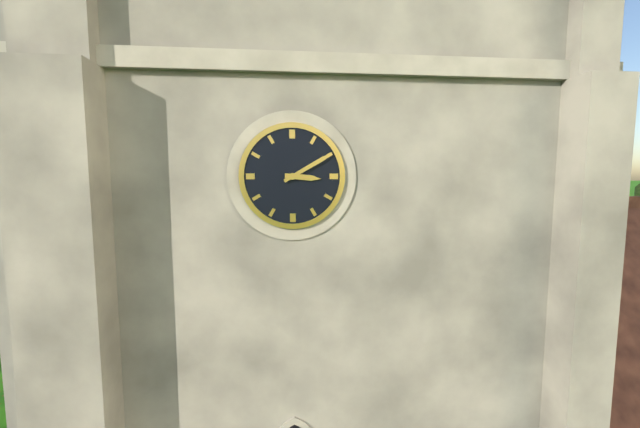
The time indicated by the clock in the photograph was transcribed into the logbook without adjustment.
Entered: 3:10
